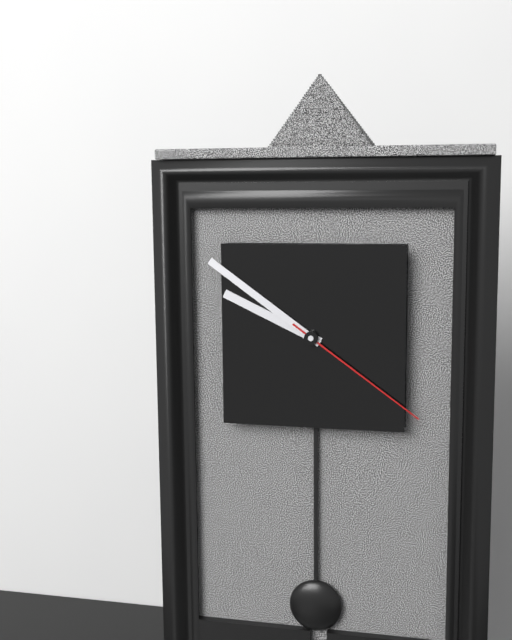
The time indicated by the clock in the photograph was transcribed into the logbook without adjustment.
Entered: 9:51:21
